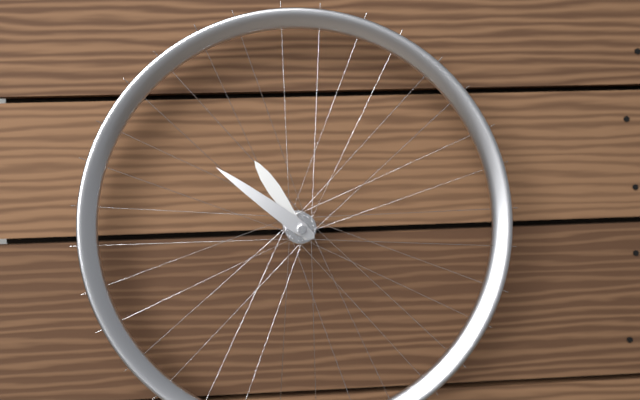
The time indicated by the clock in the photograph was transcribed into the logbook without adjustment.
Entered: 10:51
